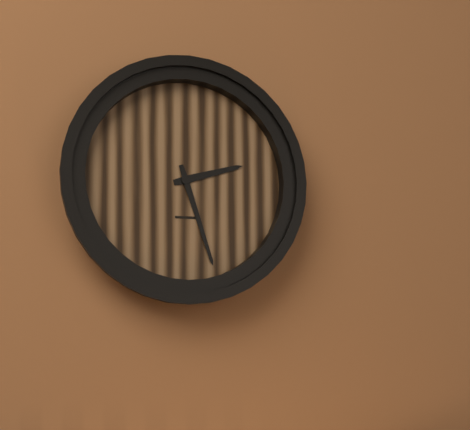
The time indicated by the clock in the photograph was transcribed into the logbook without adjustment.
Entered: 2:27
